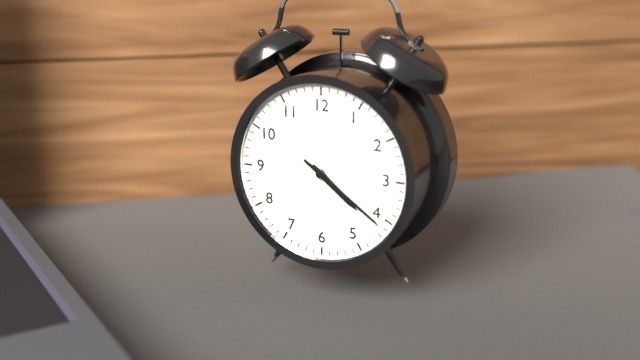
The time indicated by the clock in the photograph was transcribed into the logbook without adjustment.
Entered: 4:21
